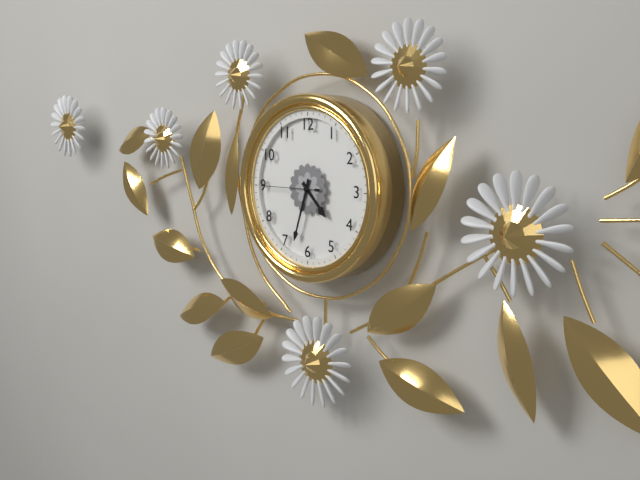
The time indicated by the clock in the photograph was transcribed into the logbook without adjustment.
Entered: 4:33:45
